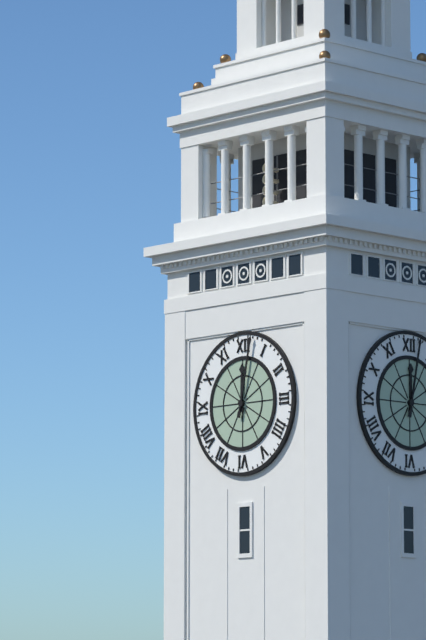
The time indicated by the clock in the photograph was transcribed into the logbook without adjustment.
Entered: 12:02
